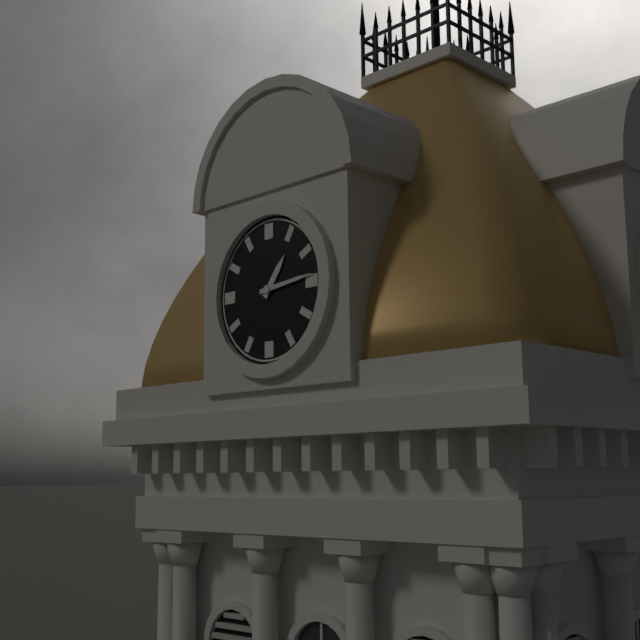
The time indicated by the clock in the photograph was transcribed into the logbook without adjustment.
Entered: 1:14
